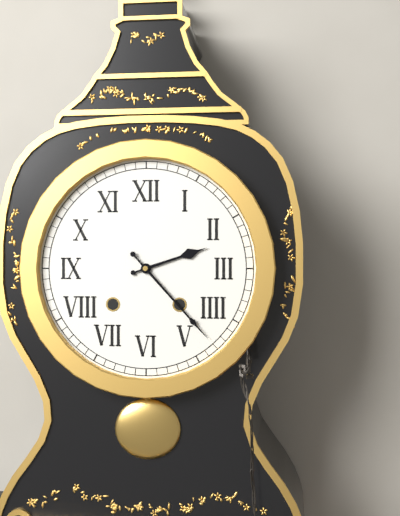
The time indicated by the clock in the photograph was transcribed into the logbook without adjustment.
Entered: 2:23
